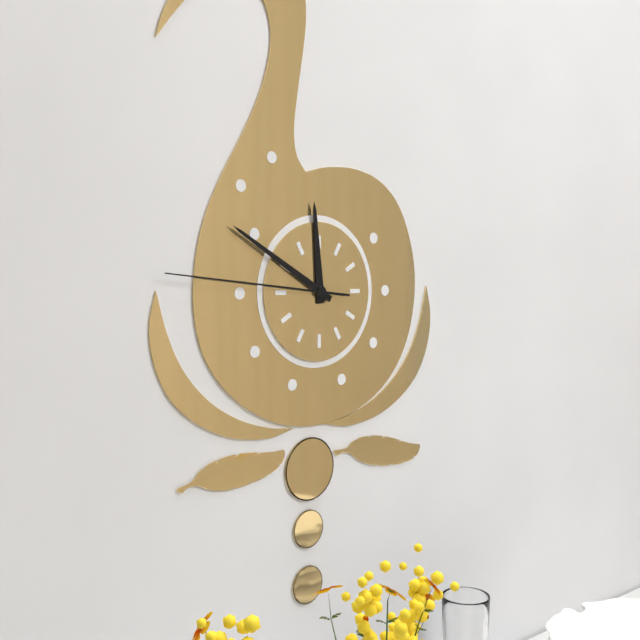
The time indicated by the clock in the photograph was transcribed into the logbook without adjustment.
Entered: 11:50:46
